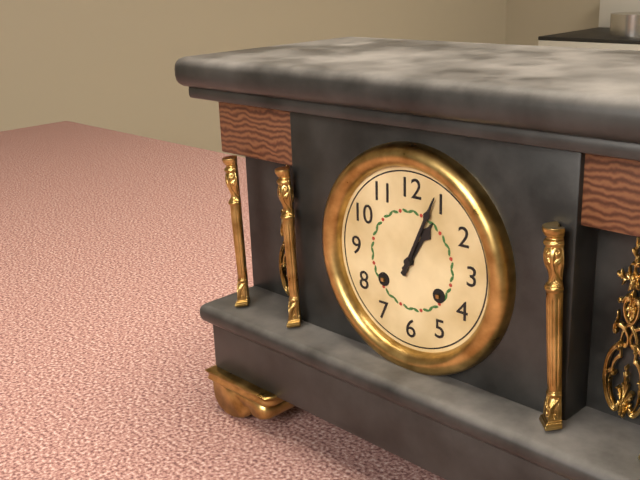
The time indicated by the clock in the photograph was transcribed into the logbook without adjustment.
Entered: 1:04
